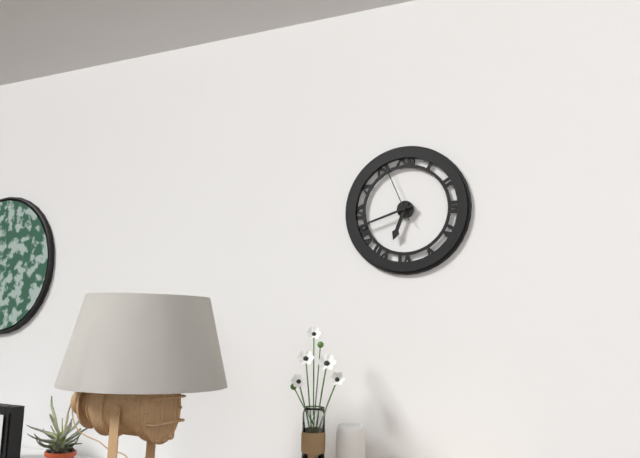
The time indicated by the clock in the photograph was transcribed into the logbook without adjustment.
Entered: 6:42:56
